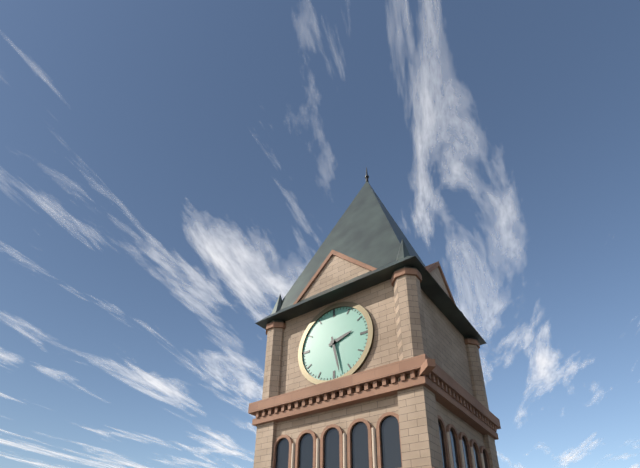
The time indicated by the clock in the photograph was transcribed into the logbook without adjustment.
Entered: 2:28
